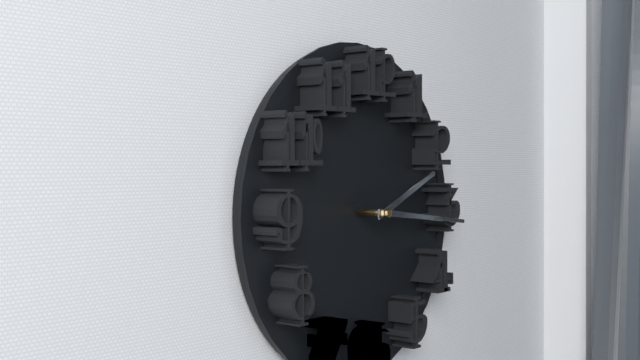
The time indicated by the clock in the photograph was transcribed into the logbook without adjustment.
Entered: 2:16
